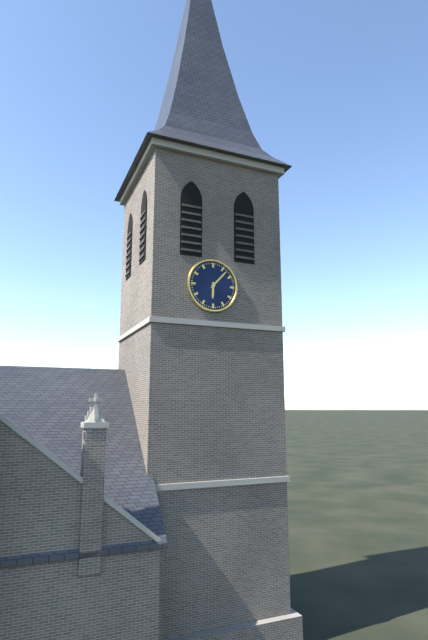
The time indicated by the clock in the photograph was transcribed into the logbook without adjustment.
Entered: 6:07
